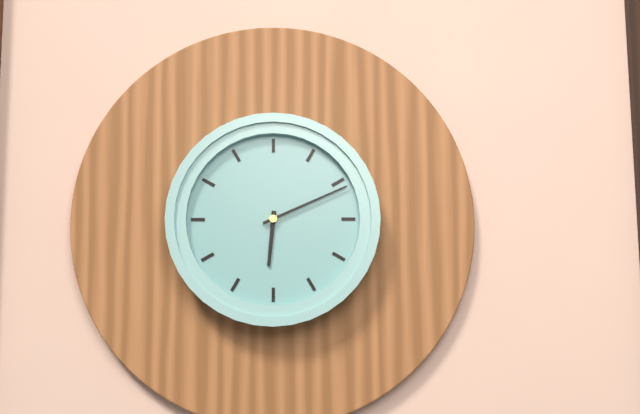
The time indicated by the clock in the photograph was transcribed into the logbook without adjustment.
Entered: 6:11
